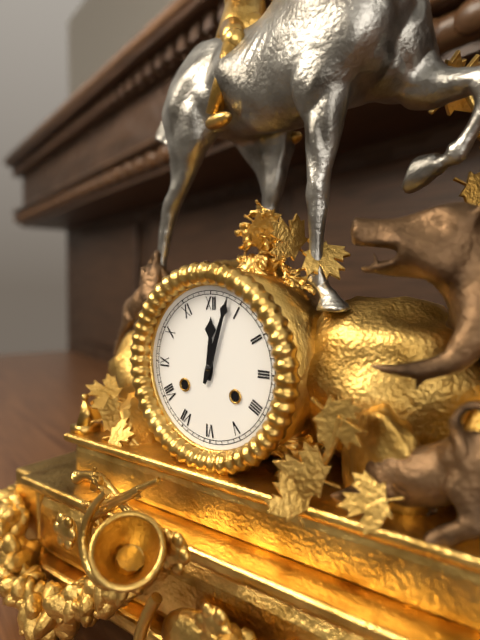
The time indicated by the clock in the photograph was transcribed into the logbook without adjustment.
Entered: 12:03
